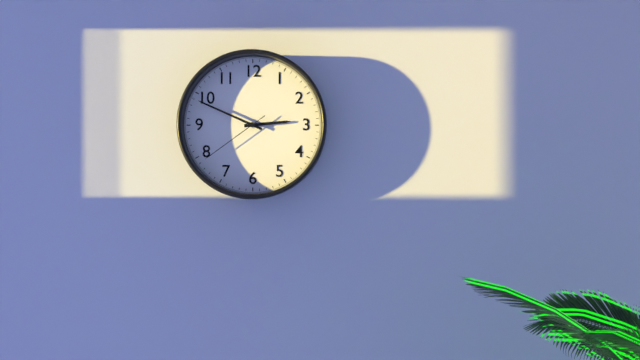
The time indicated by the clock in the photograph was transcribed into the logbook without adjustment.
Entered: 2:49:39
